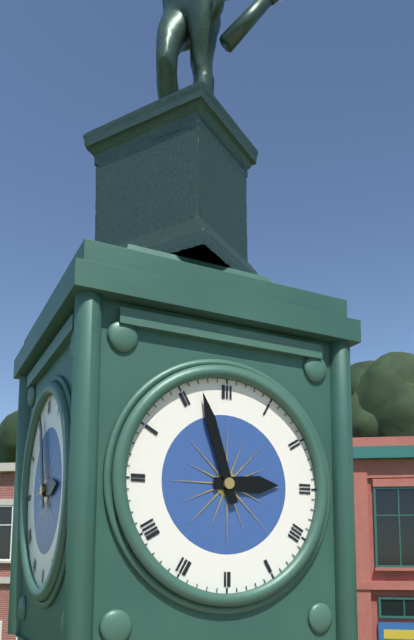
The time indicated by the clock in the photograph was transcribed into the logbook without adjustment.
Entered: 2:57
